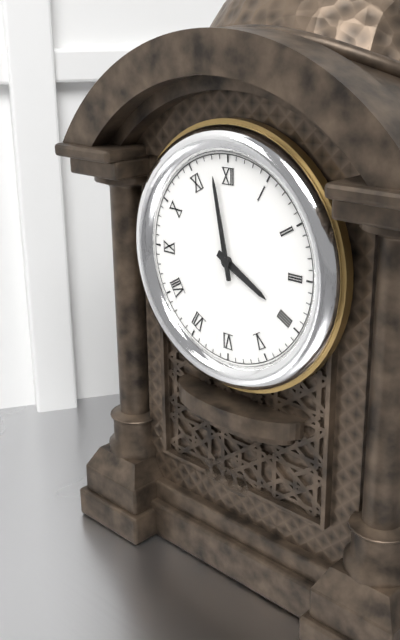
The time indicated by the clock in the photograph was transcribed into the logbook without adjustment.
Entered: 3:58
